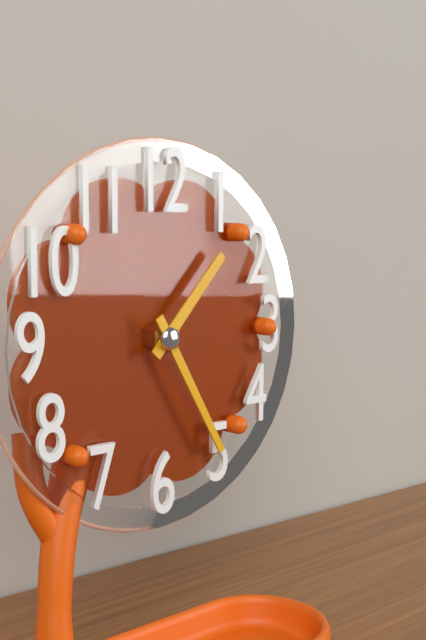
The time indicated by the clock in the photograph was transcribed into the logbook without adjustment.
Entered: 1:25
